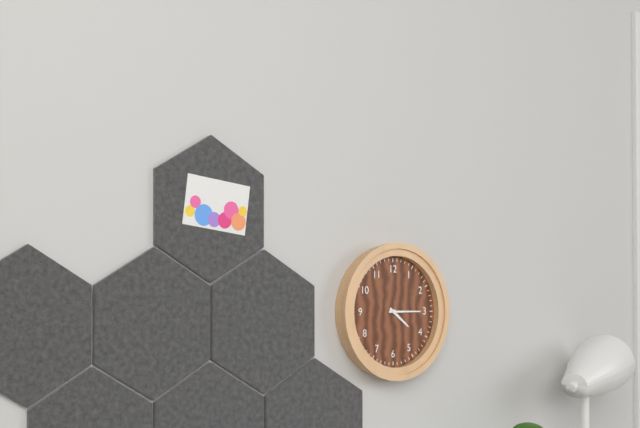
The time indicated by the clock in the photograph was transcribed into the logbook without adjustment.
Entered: 4:15
